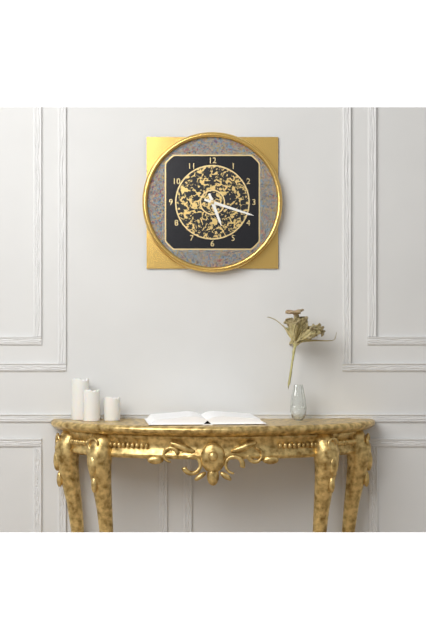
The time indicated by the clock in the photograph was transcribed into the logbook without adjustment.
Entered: 5:18
